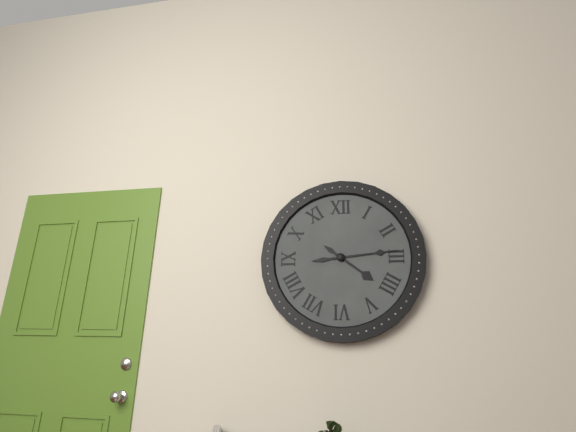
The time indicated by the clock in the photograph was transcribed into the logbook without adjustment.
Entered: 4:14
